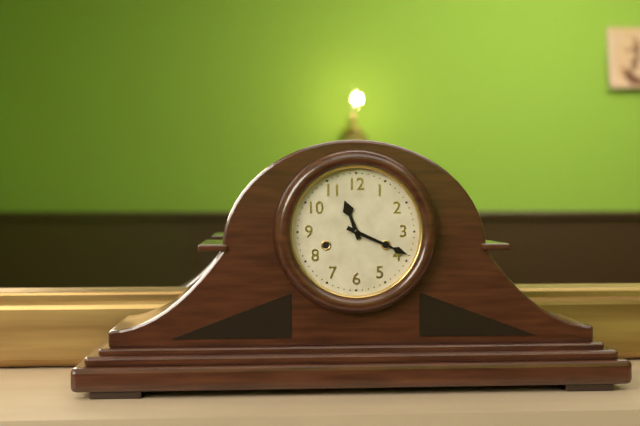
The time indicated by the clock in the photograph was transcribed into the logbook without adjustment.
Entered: 11:19
